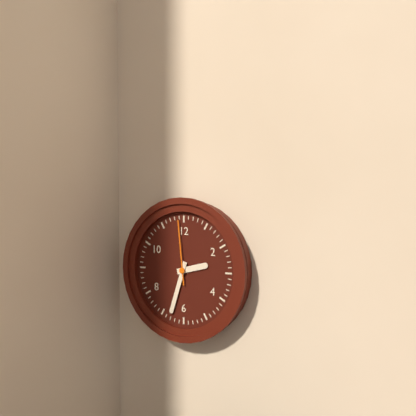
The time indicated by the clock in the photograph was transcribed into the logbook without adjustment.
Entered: 2:33:59
